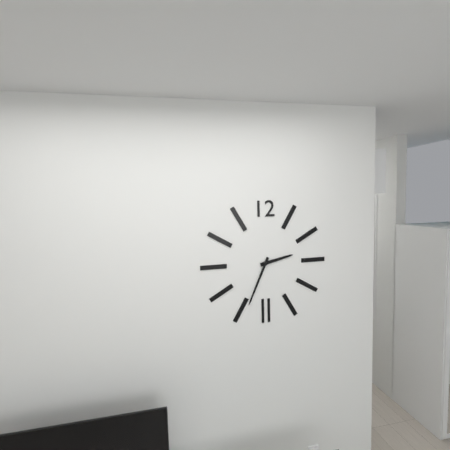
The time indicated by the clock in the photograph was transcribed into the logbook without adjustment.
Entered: 2:34
